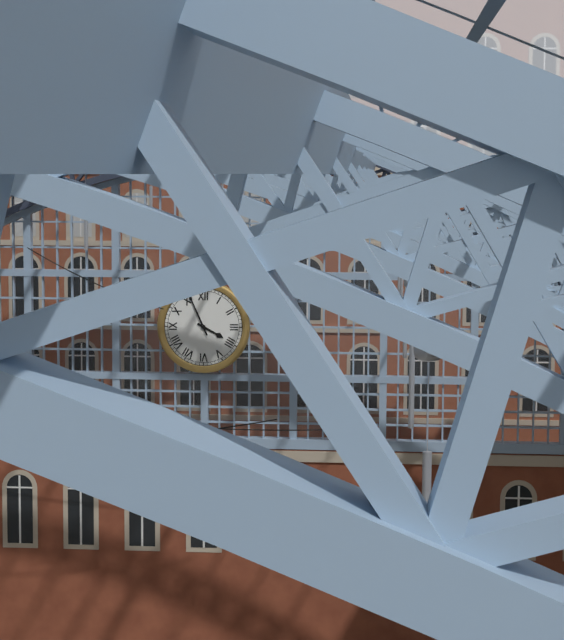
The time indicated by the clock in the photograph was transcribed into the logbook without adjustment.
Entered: 3:56
